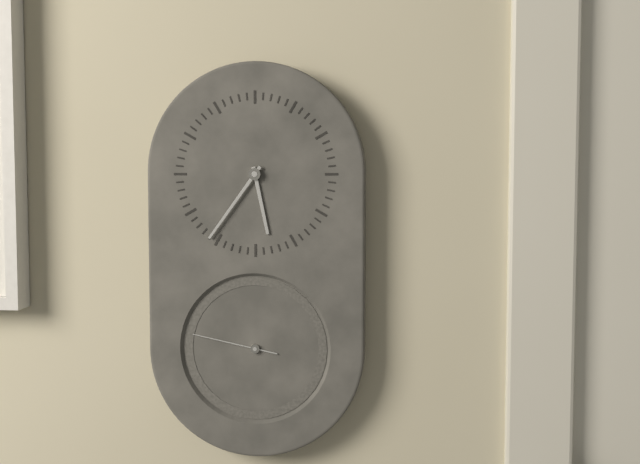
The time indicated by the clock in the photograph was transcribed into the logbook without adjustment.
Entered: 5:36:47
